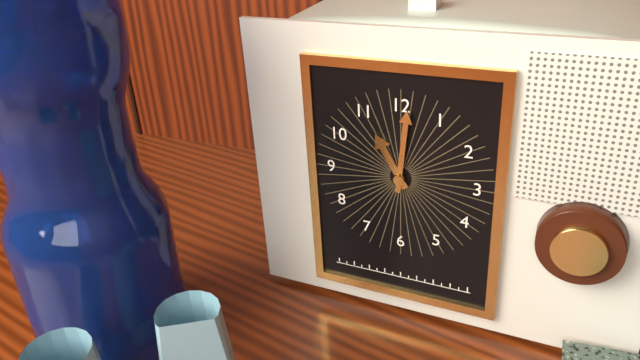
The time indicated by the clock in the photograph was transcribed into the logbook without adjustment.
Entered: 11:01
